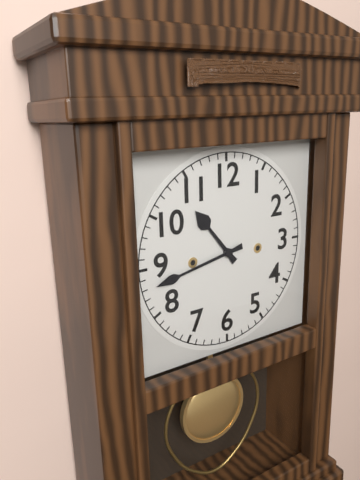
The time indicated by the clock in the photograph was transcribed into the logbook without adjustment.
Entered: 10:43
